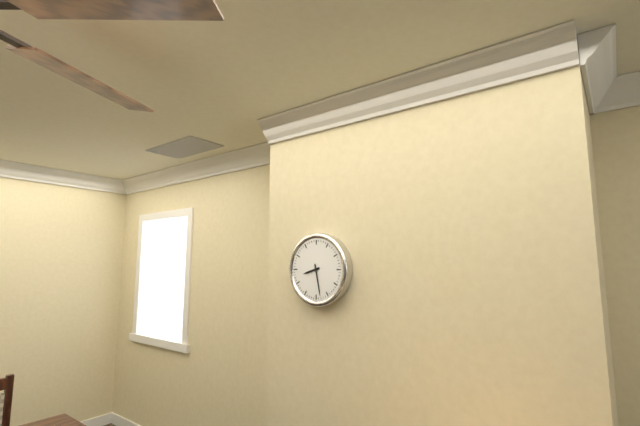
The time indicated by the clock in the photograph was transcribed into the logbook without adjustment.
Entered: 8:28
